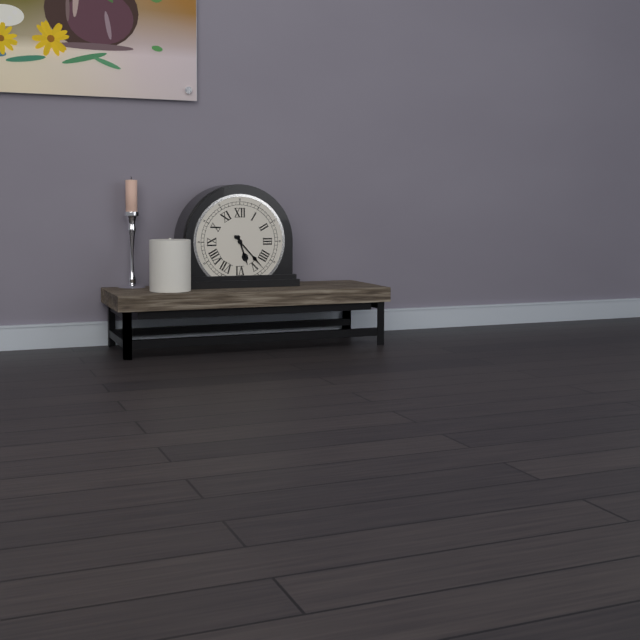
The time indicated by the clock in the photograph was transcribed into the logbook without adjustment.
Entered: 5:23
